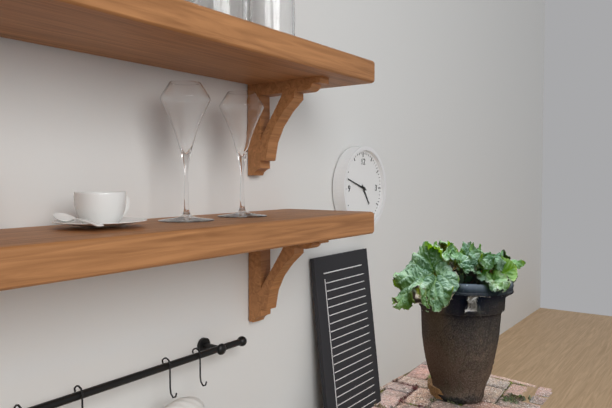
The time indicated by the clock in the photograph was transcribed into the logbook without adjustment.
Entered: 4:48
